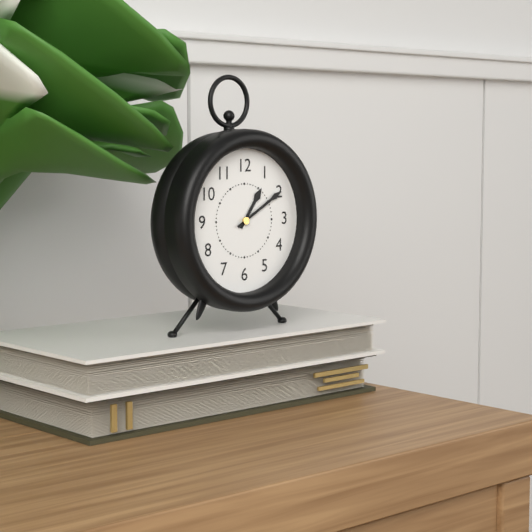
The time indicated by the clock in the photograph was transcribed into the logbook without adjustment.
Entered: 1:10
